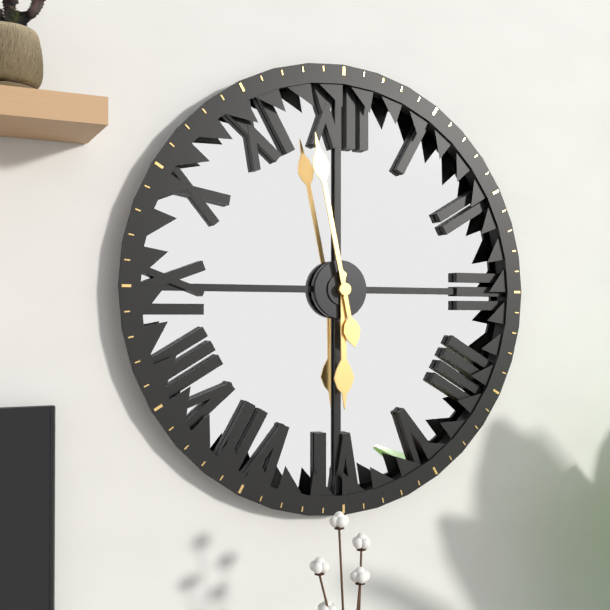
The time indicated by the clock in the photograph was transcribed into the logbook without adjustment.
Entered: 5:58
